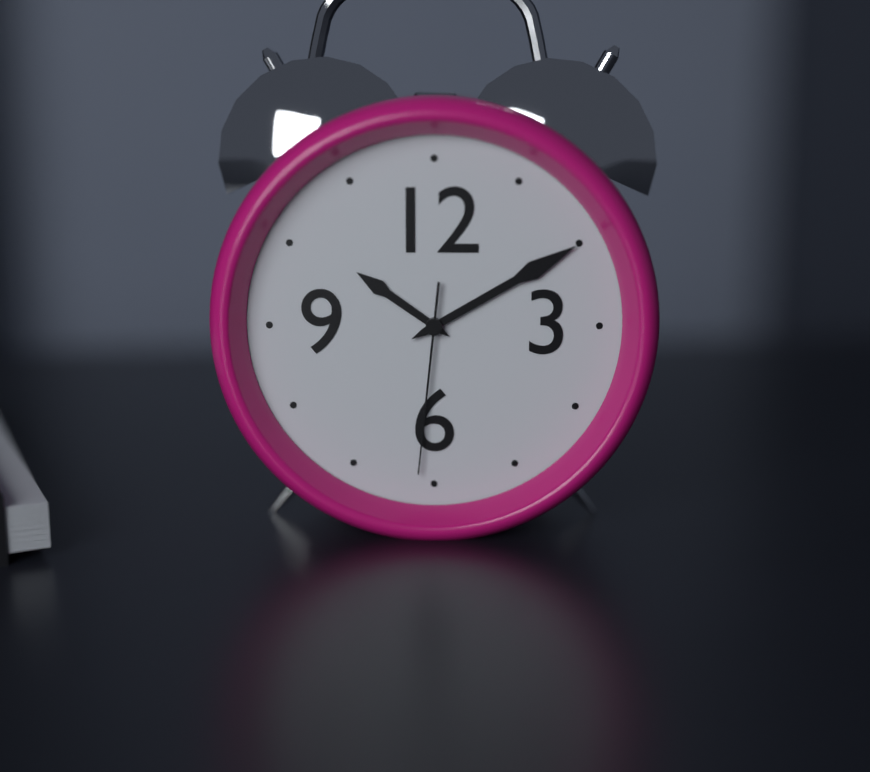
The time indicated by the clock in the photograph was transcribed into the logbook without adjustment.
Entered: 10:10:31
